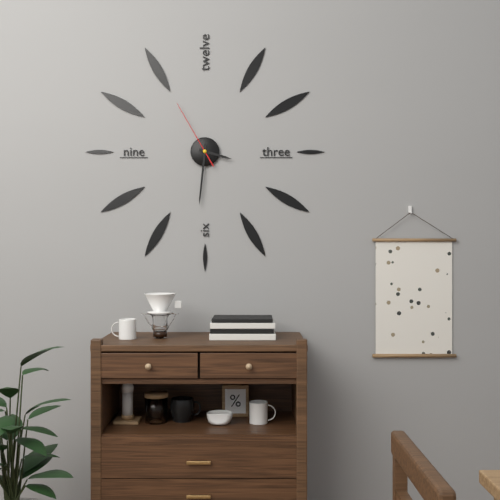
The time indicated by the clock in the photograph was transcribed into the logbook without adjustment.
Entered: 3:31:55
